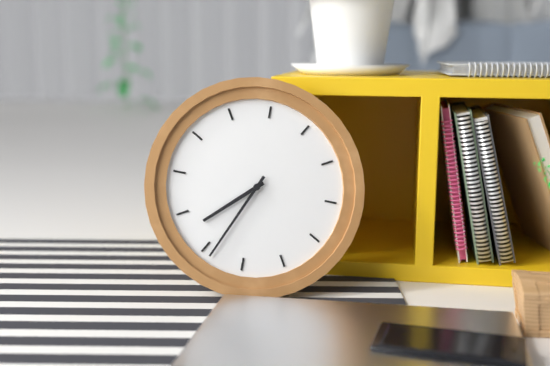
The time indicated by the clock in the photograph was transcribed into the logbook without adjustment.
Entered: 7:34
